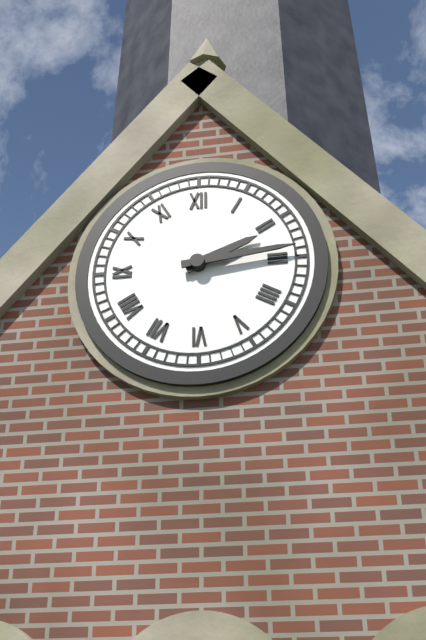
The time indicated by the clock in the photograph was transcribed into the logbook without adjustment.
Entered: 2:14
